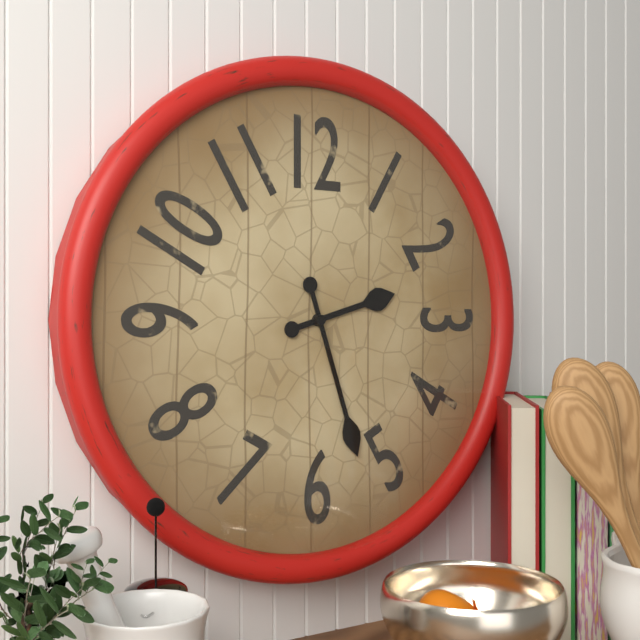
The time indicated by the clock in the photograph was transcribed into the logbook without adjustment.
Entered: 2:27
